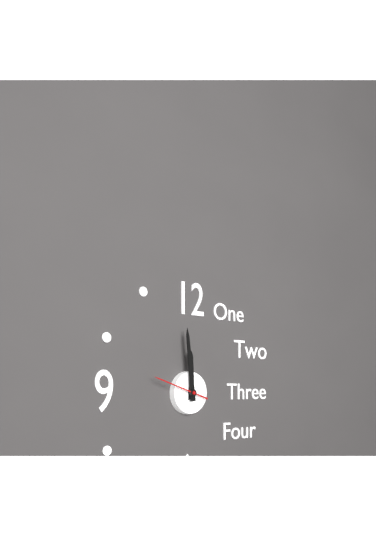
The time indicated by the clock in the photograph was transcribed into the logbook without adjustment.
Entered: 11:59:48
